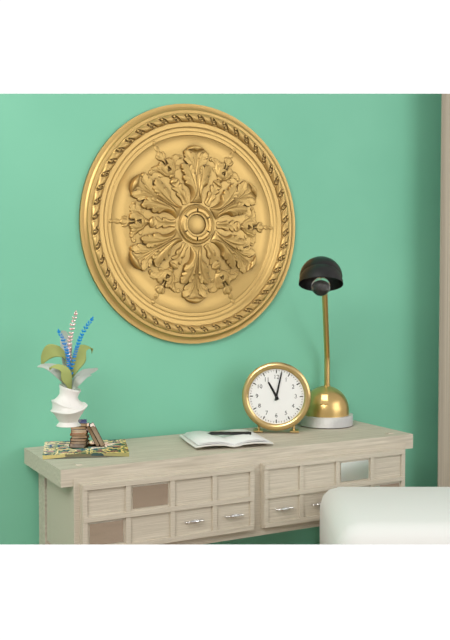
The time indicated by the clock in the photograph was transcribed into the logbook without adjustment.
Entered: 11:02
